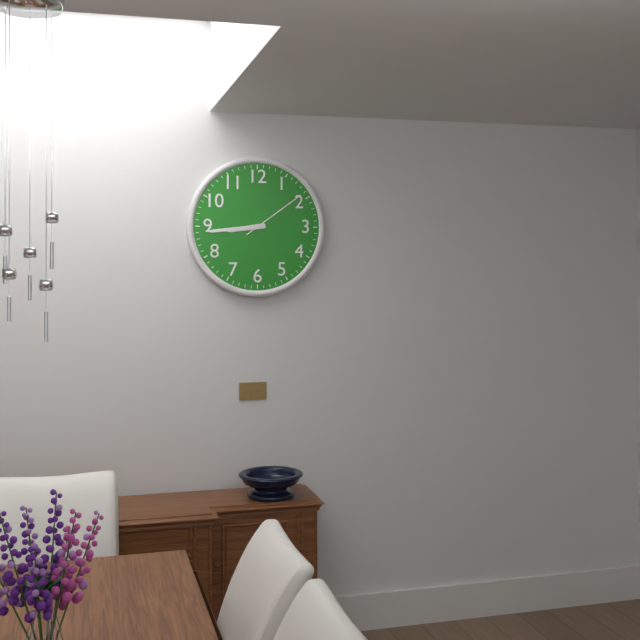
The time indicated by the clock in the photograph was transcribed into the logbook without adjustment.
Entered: 8:44:09
